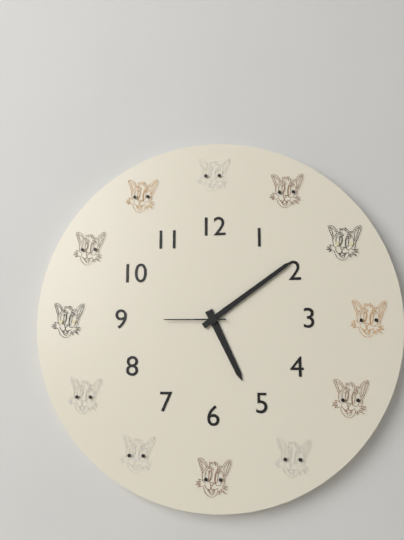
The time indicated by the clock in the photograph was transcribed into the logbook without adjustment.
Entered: 5:09:45
